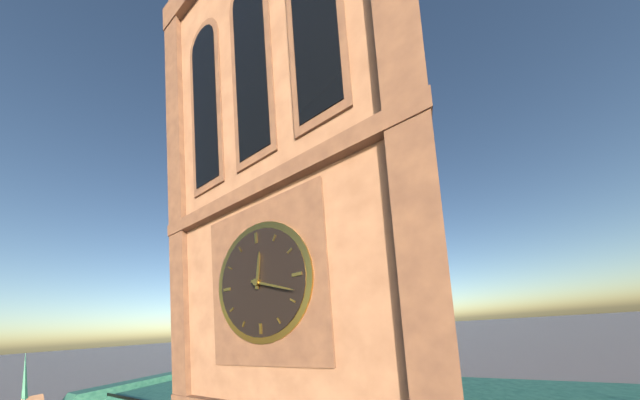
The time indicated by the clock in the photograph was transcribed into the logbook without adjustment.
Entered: 12:18
